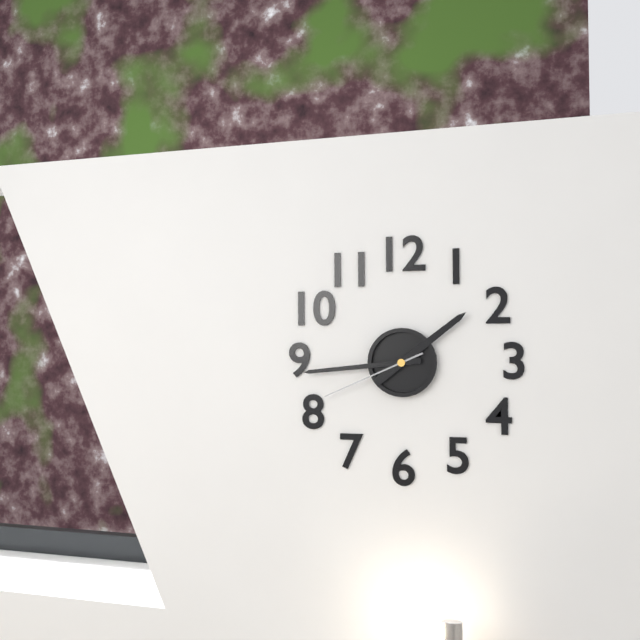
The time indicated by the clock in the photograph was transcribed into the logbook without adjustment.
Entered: 1:44:41
